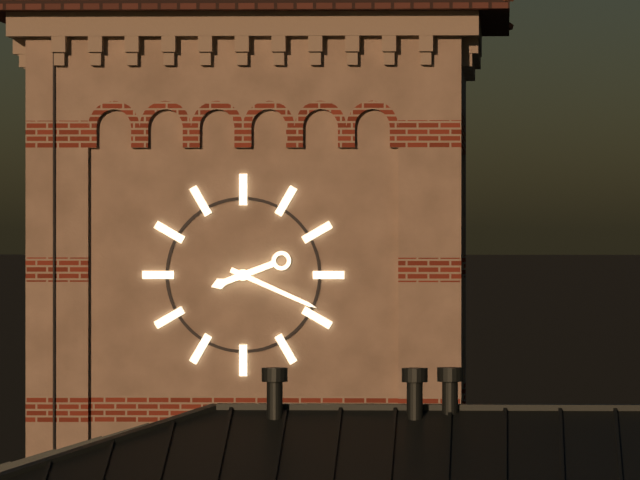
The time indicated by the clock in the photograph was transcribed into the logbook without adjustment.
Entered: 8:19
